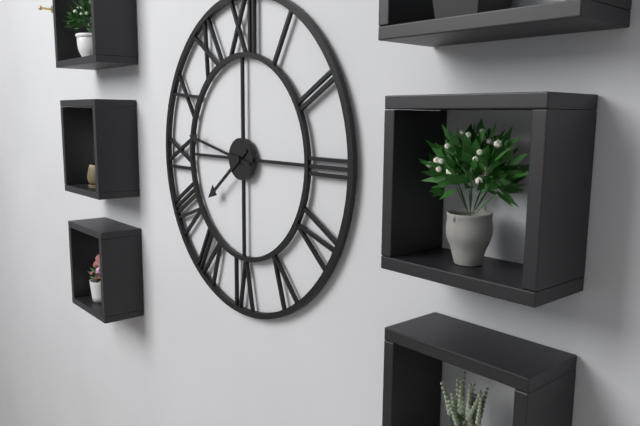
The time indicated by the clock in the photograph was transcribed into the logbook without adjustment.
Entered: 7:47
